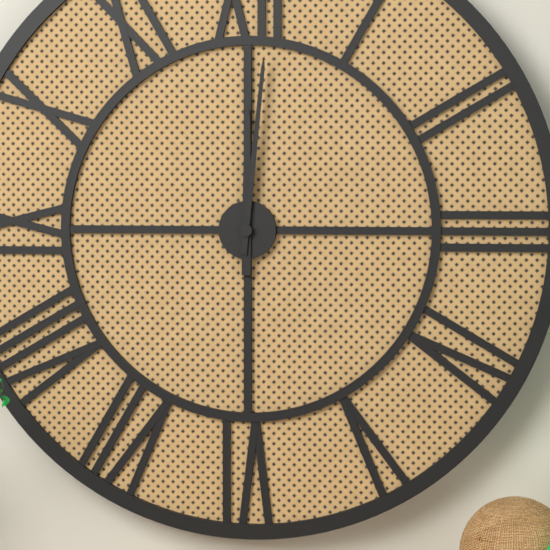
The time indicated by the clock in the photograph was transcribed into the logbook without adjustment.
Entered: 12:01
